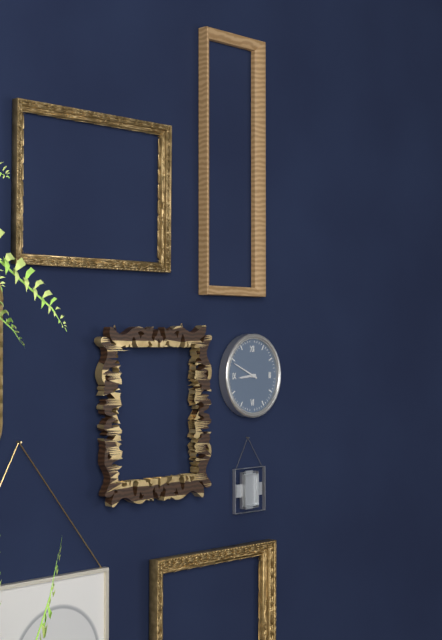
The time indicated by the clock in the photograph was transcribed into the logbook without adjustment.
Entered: 8:49
